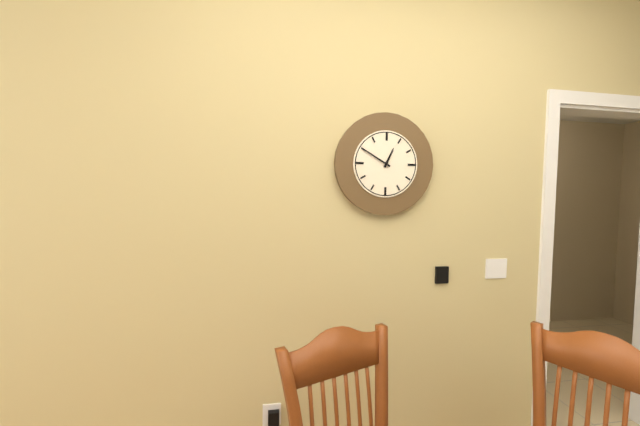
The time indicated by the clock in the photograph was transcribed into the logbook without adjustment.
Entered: 12:50
